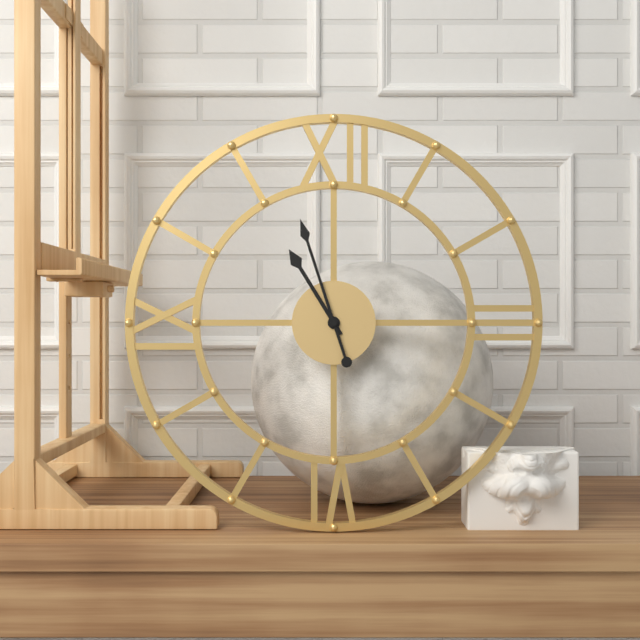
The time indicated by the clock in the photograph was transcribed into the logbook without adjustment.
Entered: 10:57
